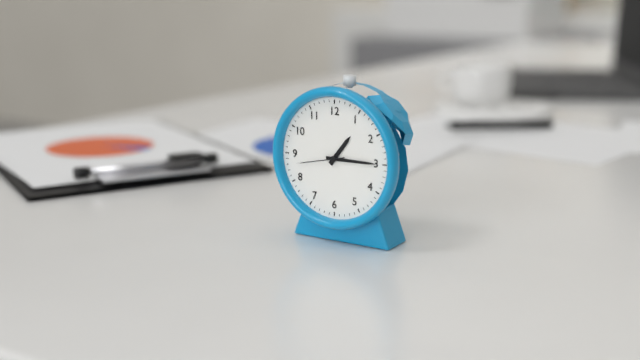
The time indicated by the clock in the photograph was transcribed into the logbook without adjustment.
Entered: 1:15
